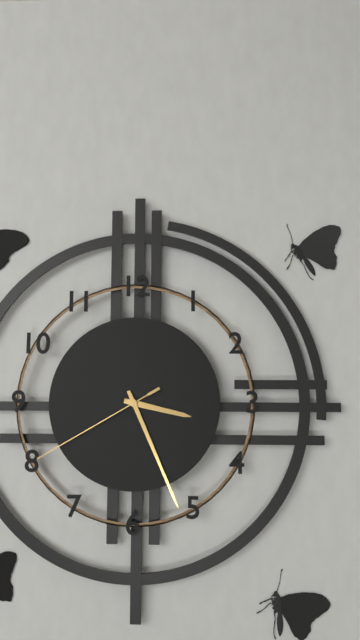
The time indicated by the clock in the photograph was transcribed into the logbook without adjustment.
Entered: 3:26:40
